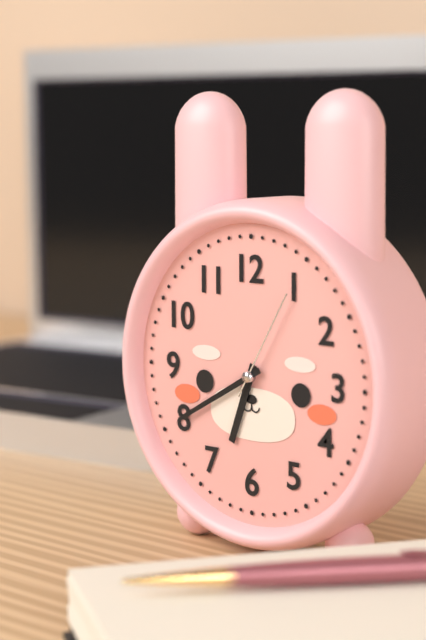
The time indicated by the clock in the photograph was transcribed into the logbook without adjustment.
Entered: 6:40:05
